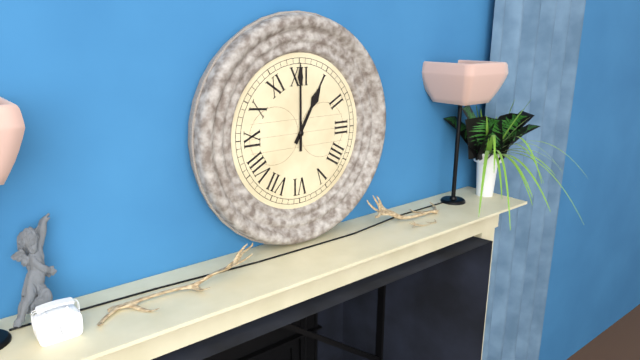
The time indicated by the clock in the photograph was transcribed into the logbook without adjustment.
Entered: 1:00
